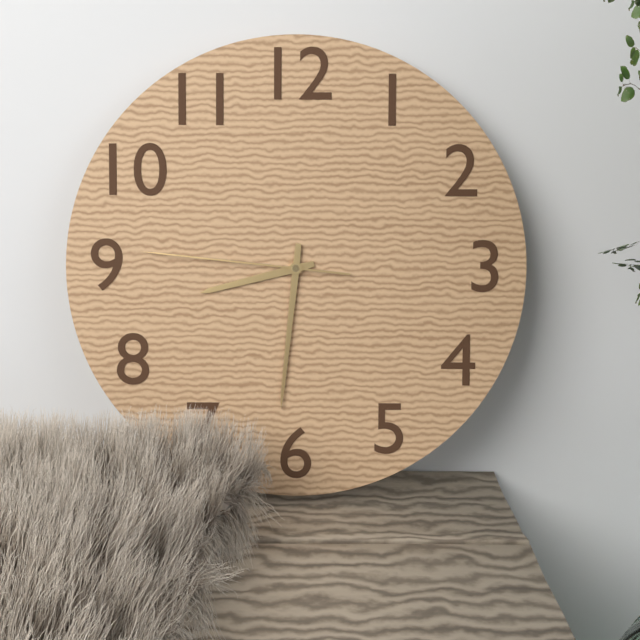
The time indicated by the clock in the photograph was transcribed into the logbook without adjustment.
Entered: 8:31:46
